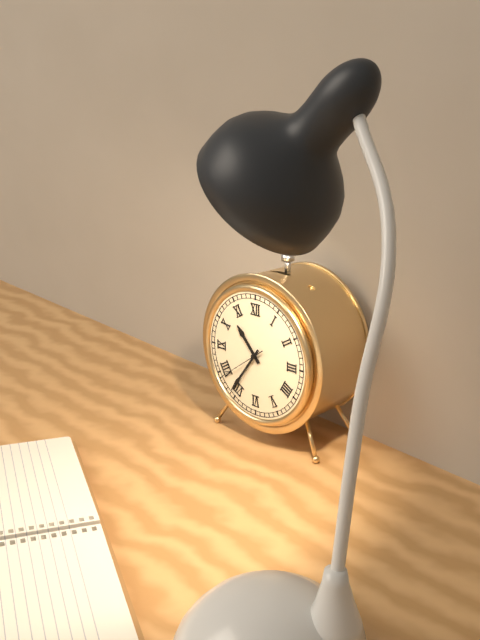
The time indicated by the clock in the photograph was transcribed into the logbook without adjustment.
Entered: 10:36:39
